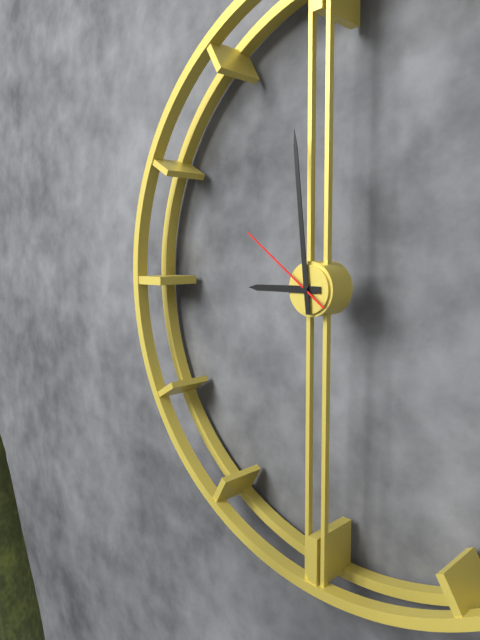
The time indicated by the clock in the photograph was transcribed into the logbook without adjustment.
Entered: 8:59:51
